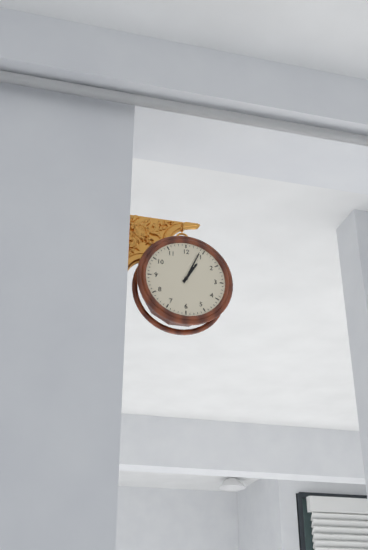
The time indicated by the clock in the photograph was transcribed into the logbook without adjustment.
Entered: 1:04
